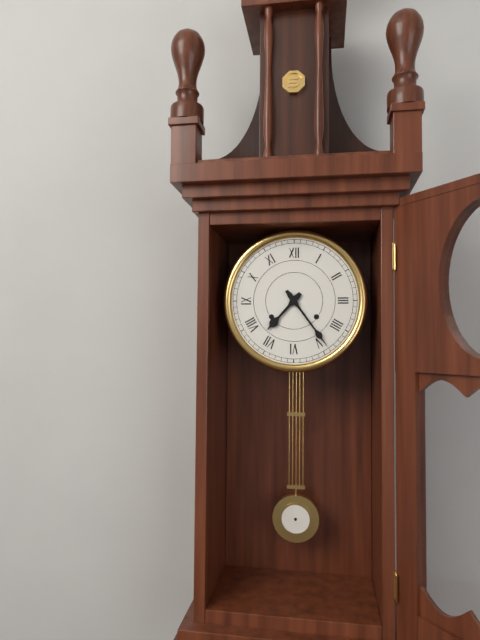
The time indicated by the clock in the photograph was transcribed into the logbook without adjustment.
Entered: 7:24
